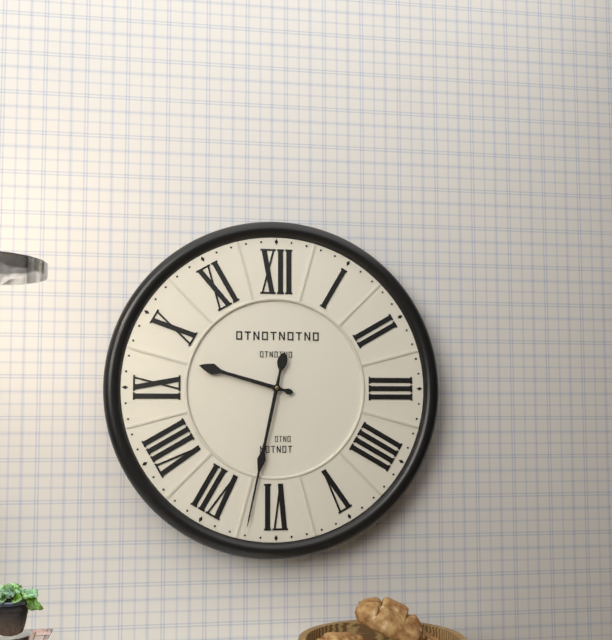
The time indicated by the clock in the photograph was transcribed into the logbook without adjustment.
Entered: 9:32
